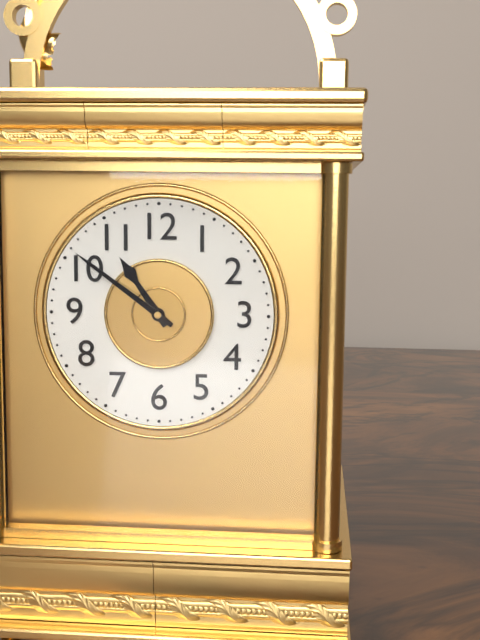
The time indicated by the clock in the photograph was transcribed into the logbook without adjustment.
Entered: 10:51
